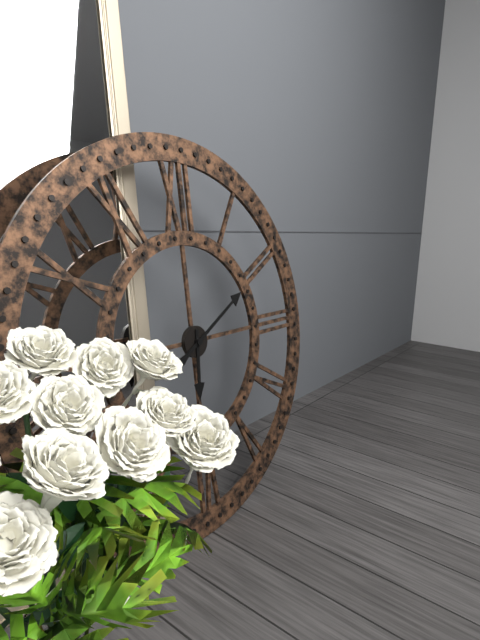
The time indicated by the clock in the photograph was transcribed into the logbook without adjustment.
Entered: 6:10
